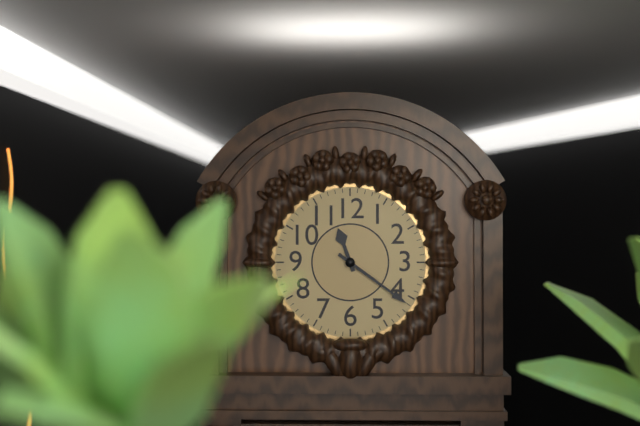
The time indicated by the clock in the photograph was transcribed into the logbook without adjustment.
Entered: 11:21
